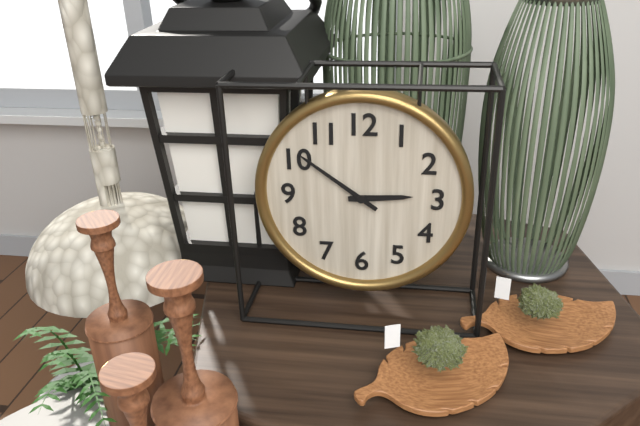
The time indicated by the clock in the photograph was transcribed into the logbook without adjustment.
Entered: 2:51
